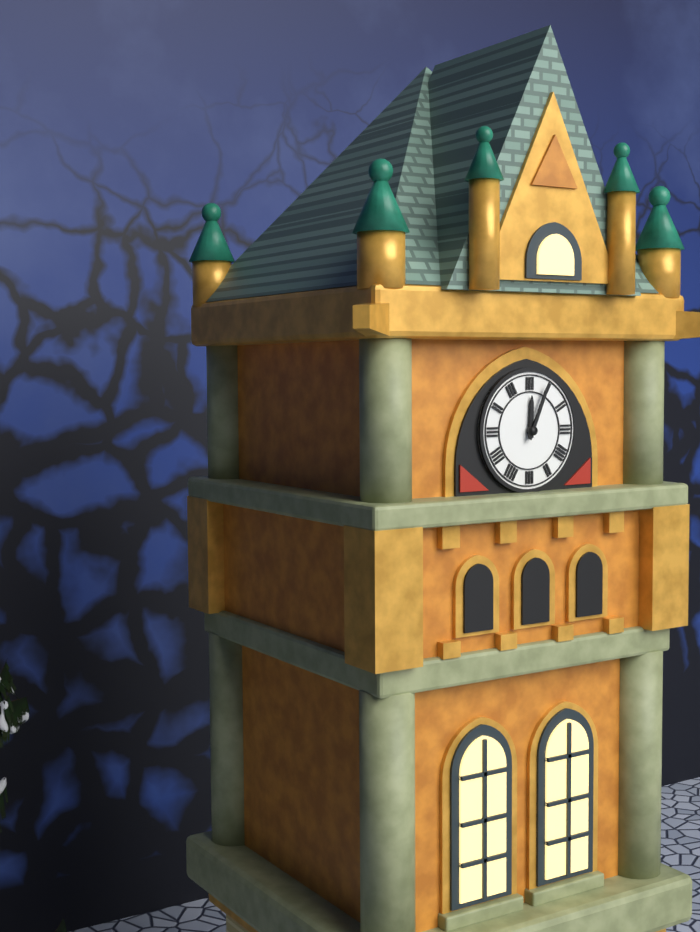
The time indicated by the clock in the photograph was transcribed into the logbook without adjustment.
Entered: 12:04
